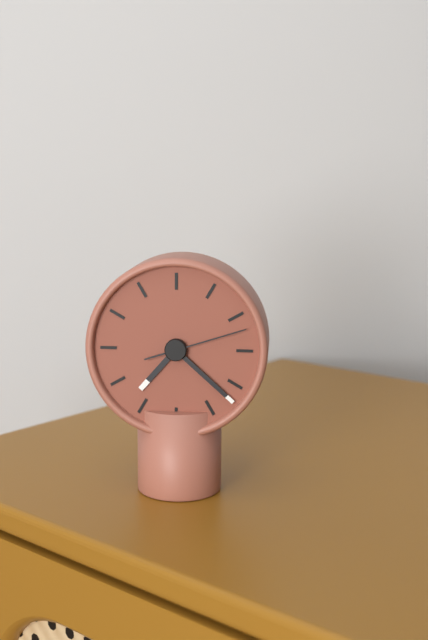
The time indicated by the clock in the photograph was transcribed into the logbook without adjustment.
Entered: 7:22:12
